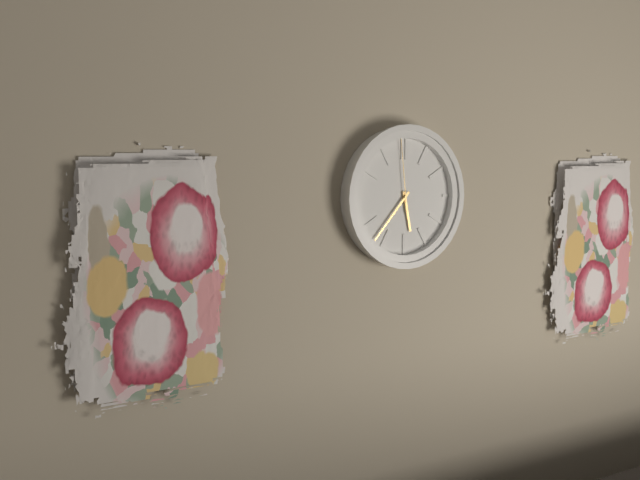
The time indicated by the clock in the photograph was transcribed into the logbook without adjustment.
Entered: 5:37:59
